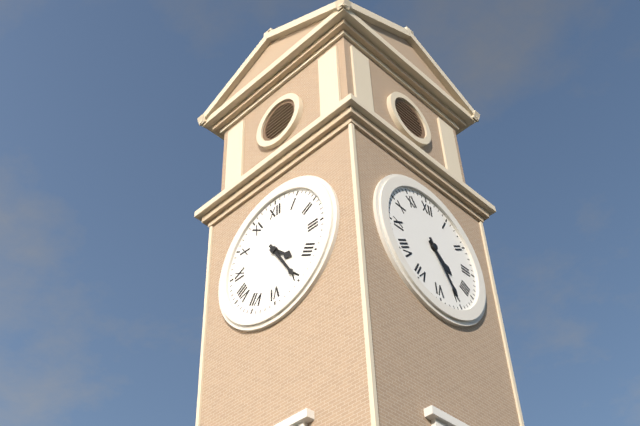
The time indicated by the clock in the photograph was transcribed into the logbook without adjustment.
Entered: 4:25
